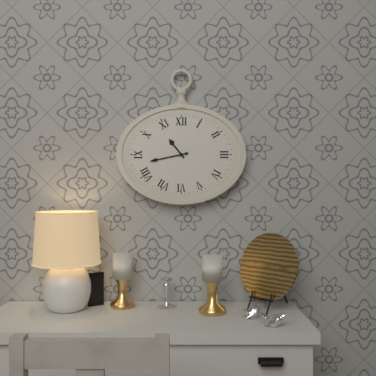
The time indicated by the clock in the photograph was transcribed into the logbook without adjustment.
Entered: 10:43
